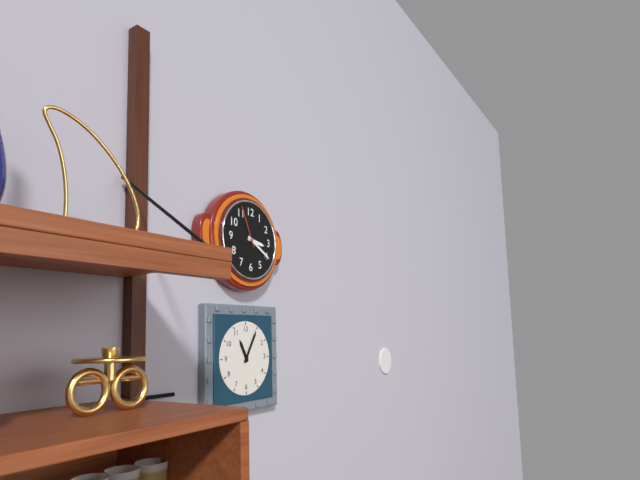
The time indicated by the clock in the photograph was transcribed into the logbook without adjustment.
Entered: 3:20
